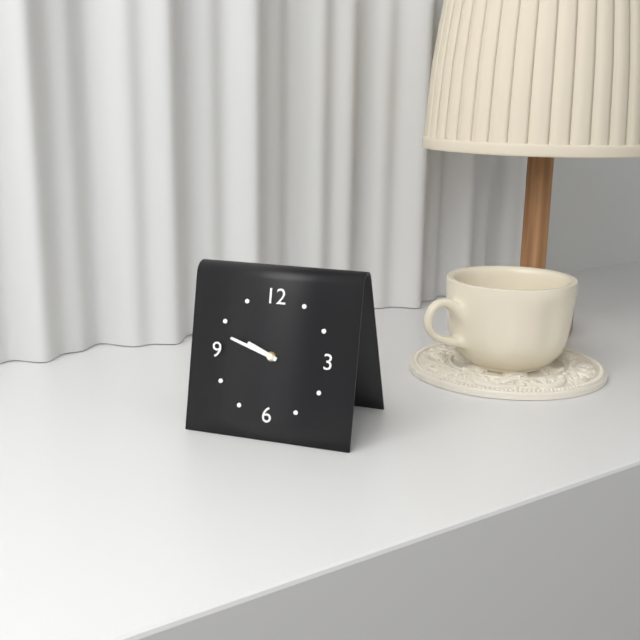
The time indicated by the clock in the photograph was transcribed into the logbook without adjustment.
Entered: 9:48
